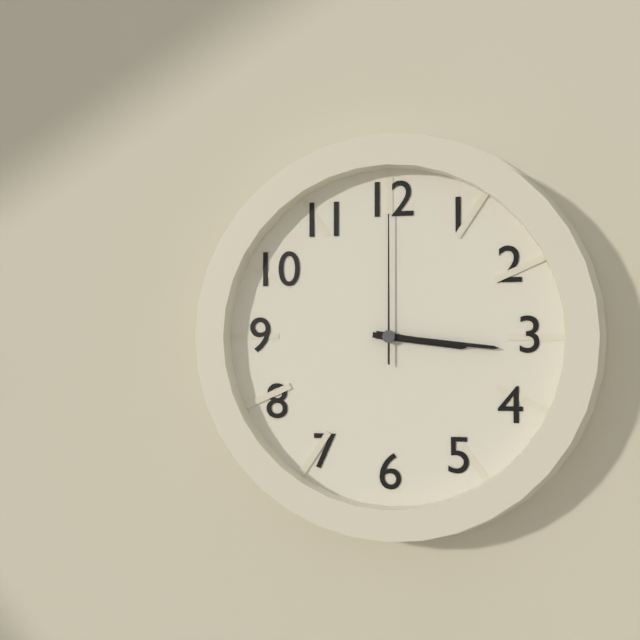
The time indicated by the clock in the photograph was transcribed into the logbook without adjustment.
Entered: 3:16:00
